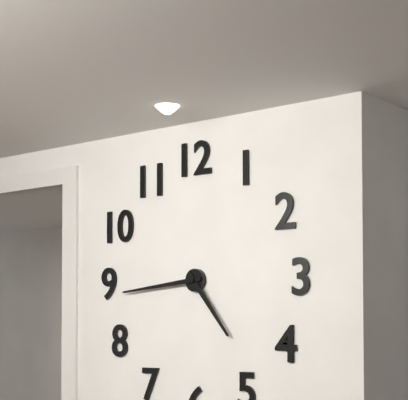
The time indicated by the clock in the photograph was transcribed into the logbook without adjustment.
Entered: 4:44
